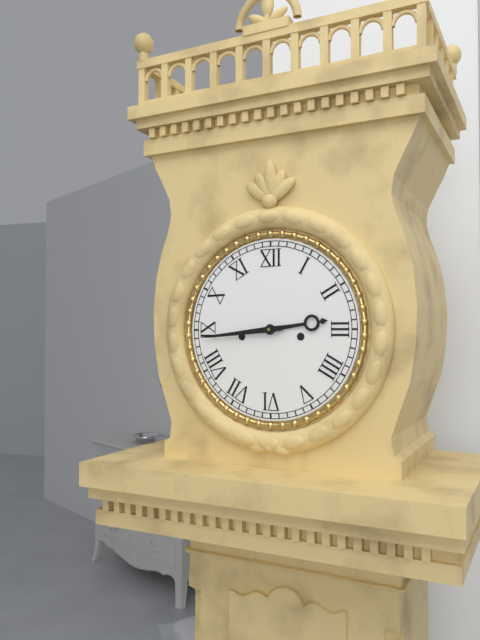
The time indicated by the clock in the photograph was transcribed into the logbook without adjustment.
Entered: 2:44
